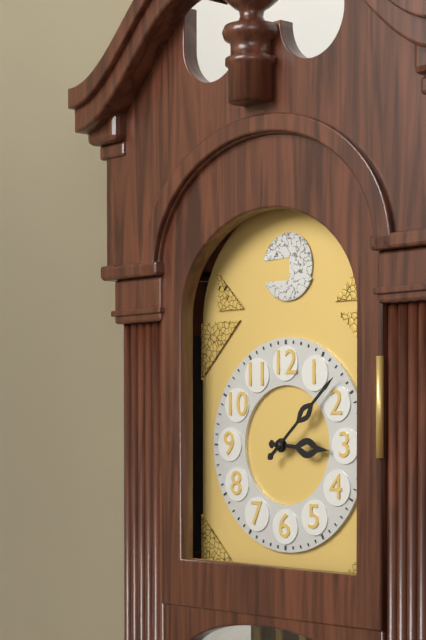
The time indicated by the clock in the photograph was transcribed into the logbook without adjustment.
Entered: 3:08
